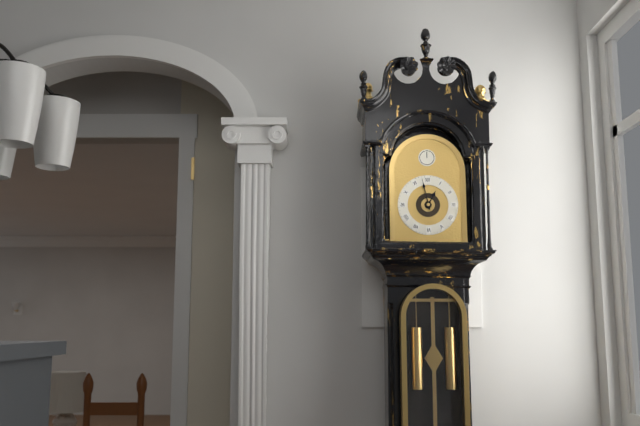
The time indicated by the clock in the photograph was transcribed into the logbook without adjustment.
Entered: 12:58
